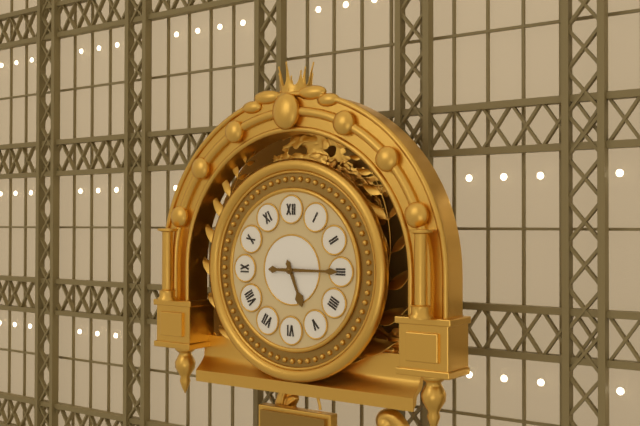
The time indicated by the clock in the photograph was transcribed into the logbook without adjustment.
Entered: 5:15
